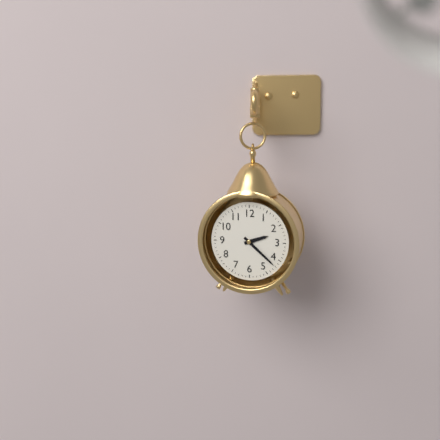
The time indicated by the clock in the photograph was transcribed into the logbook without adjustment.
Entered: 2:22
